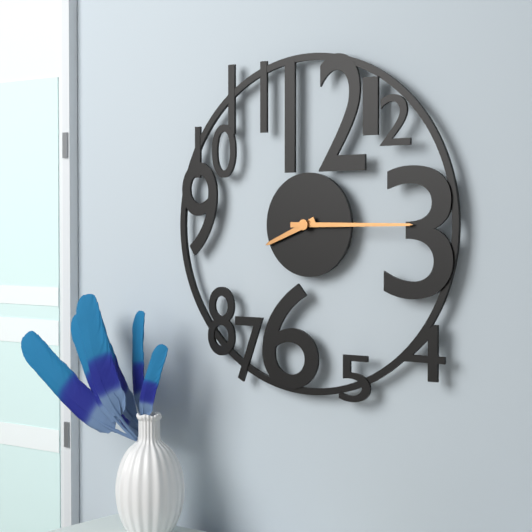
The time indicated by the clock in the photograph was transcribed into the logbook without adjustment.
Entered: 8:15
